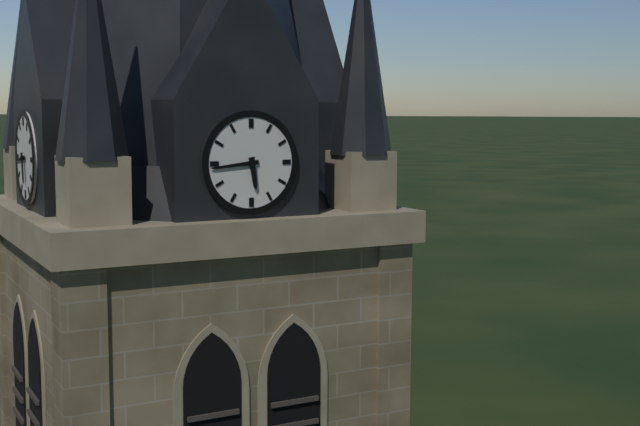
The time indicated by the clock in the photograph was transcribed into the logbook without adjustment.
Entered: 5:44
